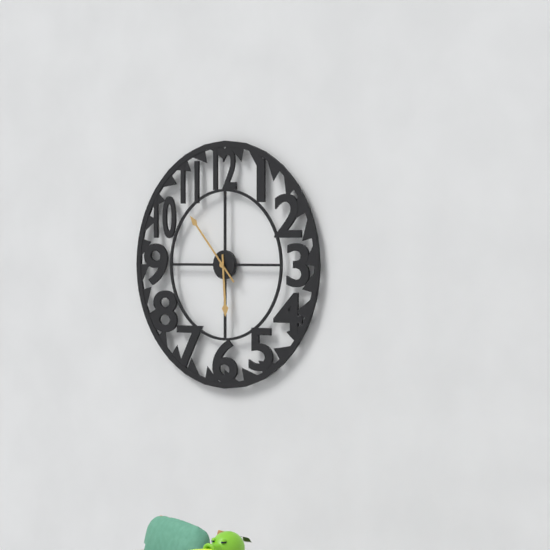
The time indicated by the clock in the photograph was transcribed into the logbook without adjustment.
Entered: 5:53
